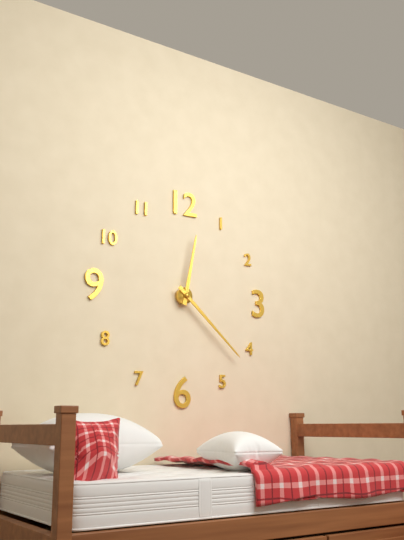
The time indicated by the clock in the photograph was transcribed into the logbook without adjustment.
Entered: 12:22
